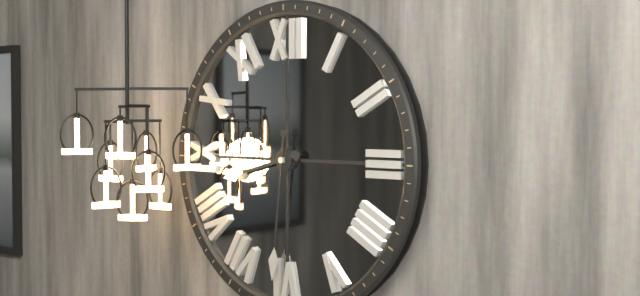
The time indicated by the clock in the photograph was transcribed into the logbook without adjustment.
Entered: 8:31
